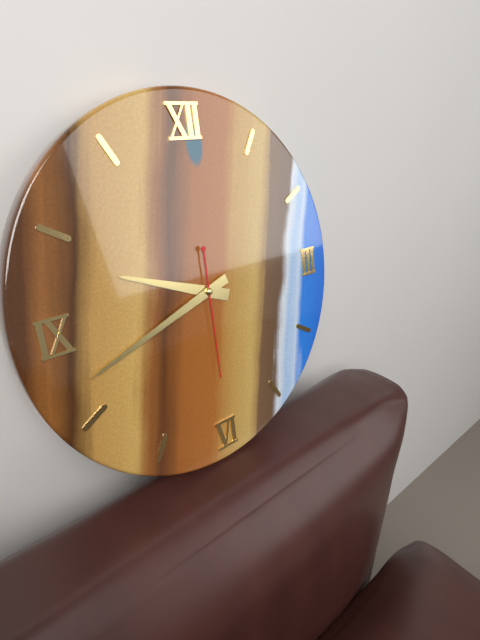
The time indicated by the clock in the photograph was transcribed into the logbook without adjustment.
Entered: 9:42:30
